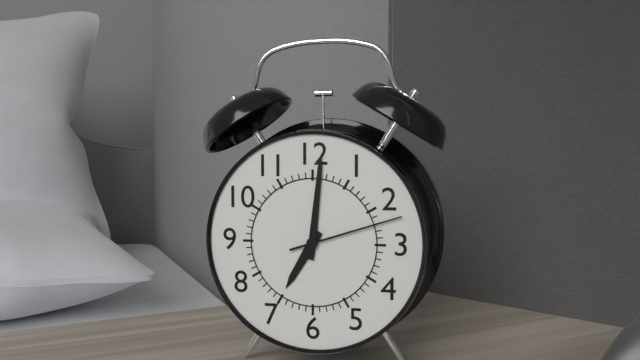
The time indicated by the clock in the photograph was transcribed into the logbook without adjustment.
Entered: 7:01:12
